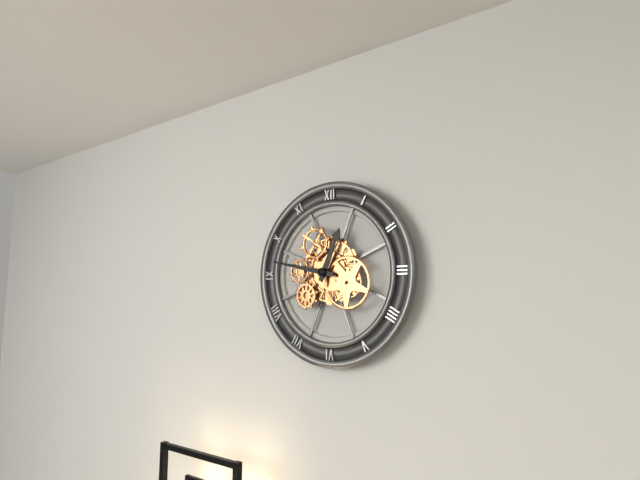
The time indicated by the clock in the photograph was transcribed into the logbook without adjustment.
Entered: 12:47
